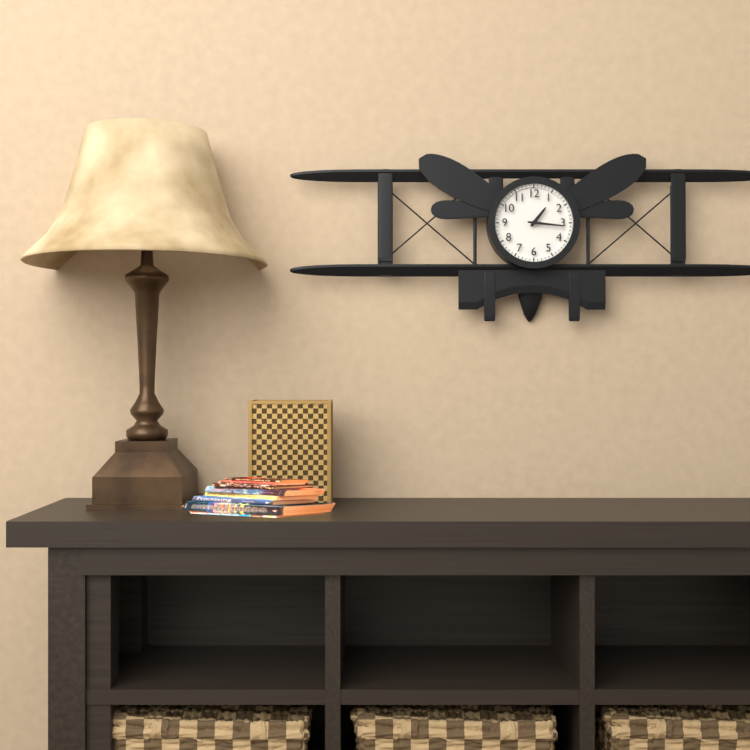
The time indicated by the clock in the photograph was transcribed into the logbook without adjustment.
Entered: 1:16
